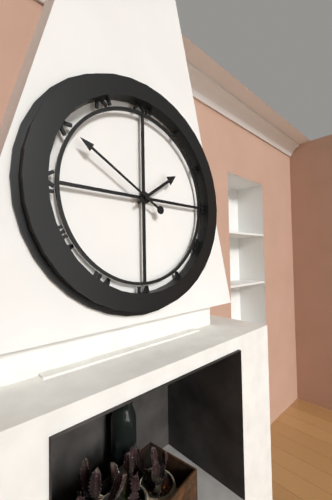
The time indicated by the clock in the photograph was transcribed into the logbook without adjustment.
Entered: 1:50
